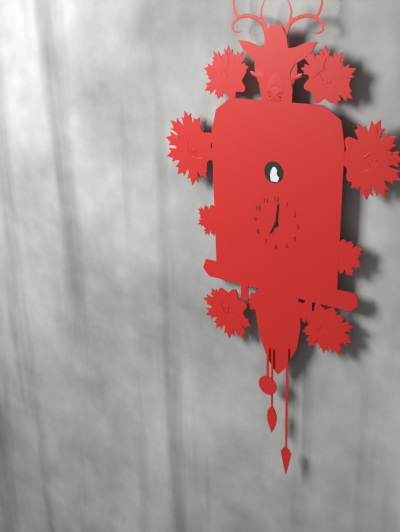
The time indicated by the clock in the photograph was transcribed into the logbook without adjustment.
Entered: 7:01
